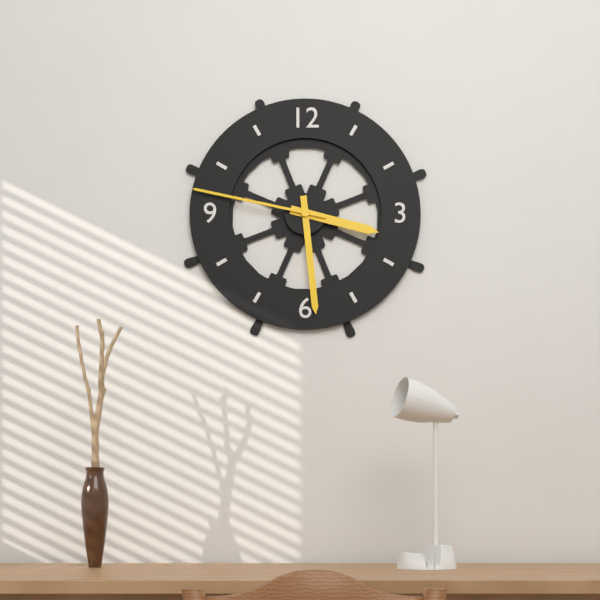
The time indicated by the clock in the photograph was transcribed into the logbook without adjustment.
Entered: 3:29:47
